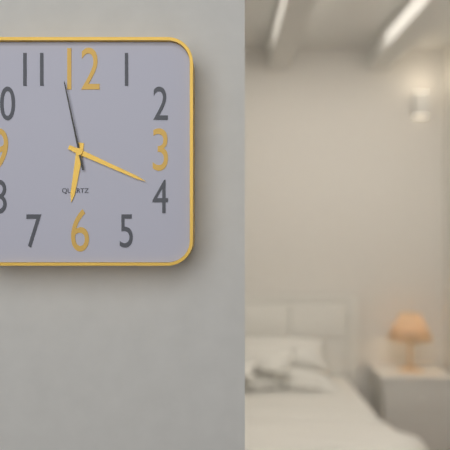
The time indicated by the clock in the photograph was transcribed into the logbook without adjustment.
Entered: 6:19:58
